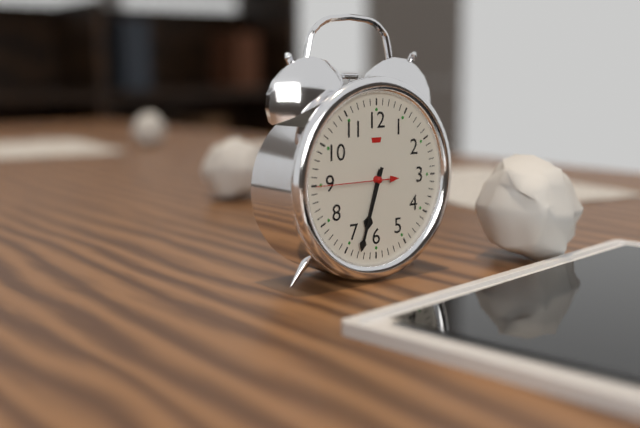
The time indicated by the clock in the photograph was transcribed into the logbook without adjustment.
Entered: 6:33:45
